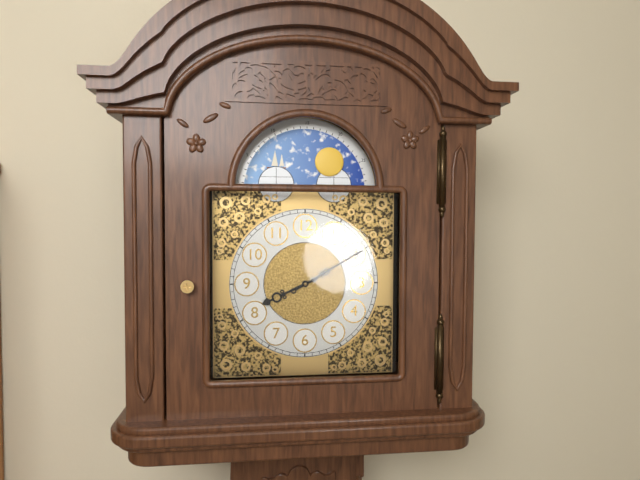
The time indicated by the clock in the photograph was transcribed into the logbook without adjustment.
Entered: 8:10
